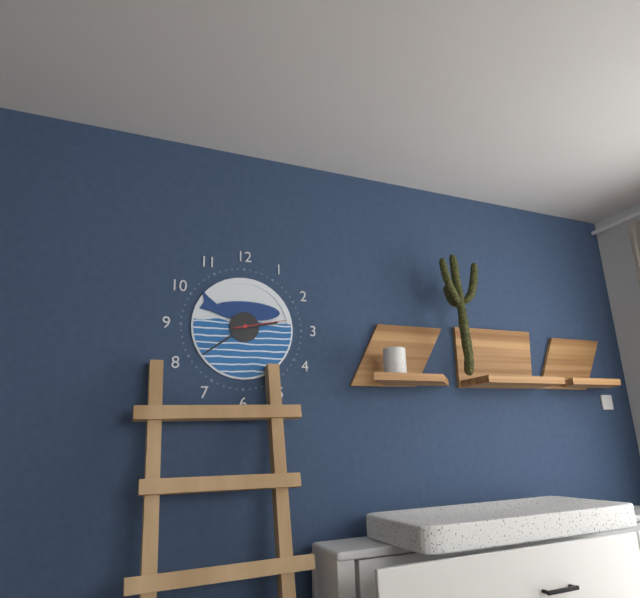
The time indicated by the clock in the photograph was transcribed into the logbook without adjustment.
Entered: 2:39:13
